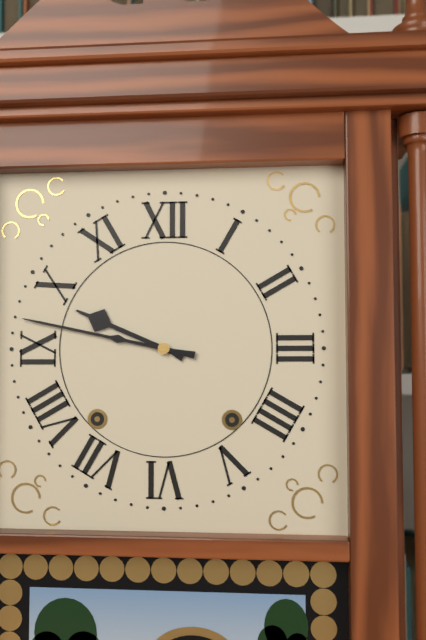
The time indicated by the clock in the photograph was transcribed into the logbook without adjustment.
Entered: 9:47
